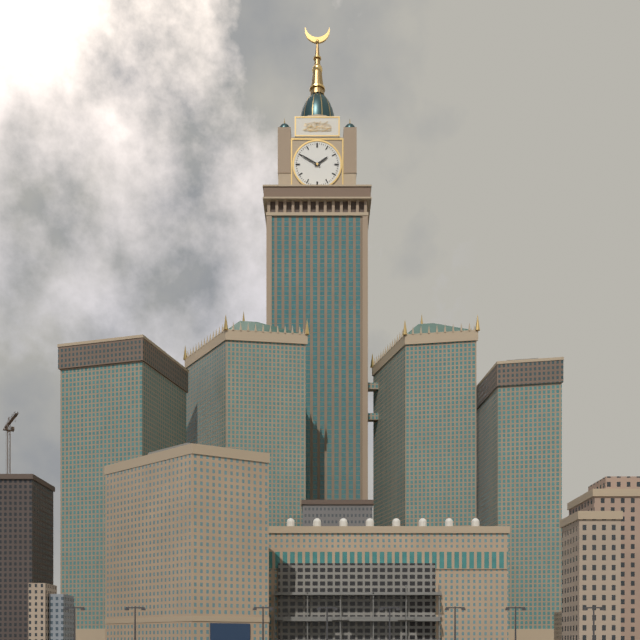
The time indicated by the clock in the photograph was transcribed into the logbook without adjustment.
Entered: 1:50
